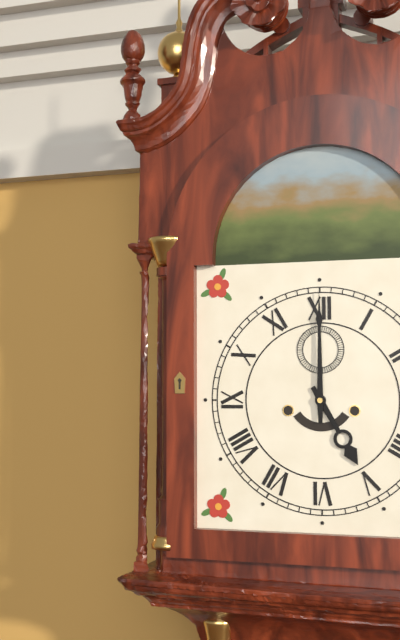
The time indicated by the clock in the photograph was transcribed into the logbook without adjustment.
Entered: 5:00
